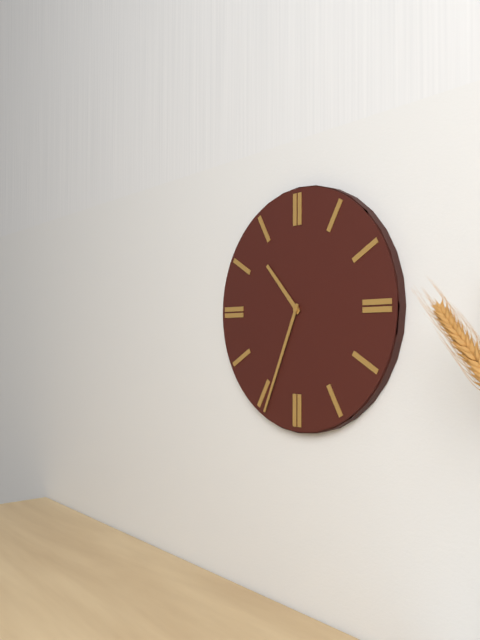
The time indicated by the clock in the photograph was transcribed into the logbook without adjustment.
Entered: 10:34
